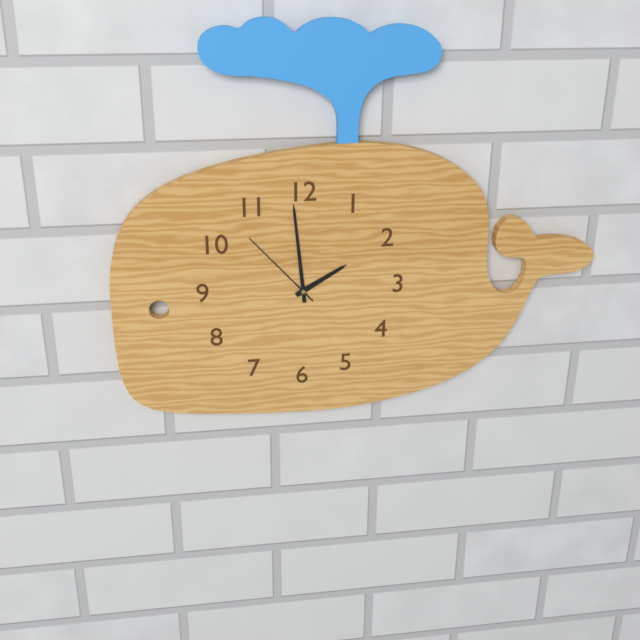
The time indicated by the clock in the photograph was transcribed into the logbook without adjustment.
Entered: 1:59:53
